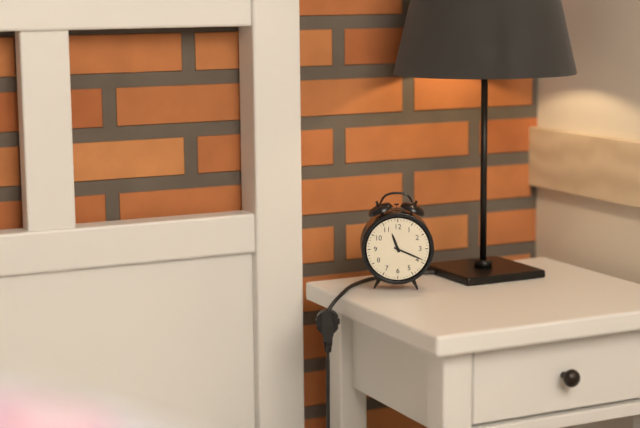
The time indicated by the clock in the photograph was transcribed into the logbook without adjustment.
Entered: 11:19
